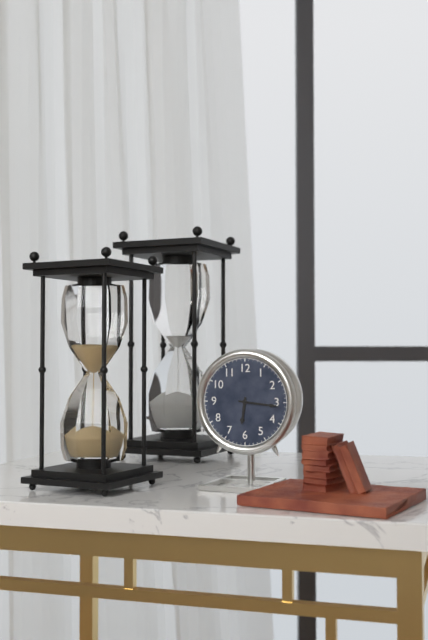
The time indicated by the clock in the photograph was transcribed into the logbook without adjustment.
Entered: 6:16
